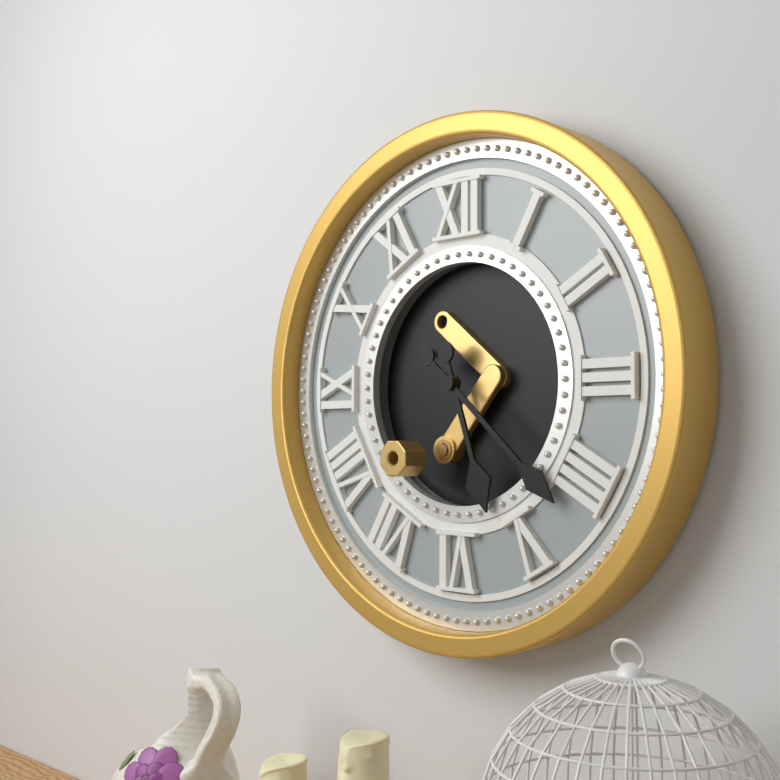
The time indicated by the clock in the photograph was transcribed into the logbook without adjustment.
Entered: 5:22
